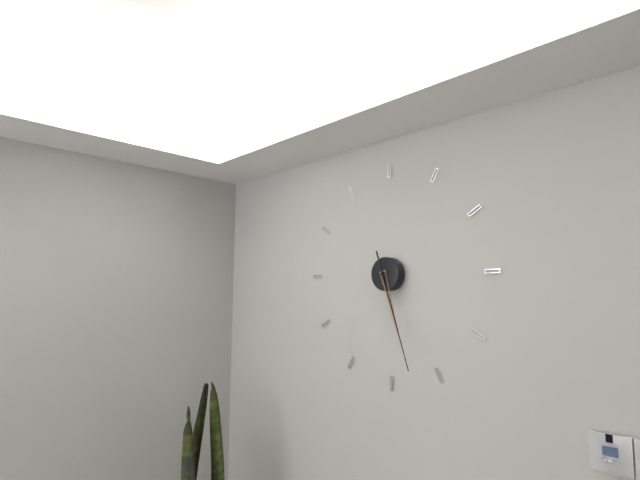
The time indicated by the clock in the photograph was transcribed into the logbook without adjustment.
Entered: 5:27
